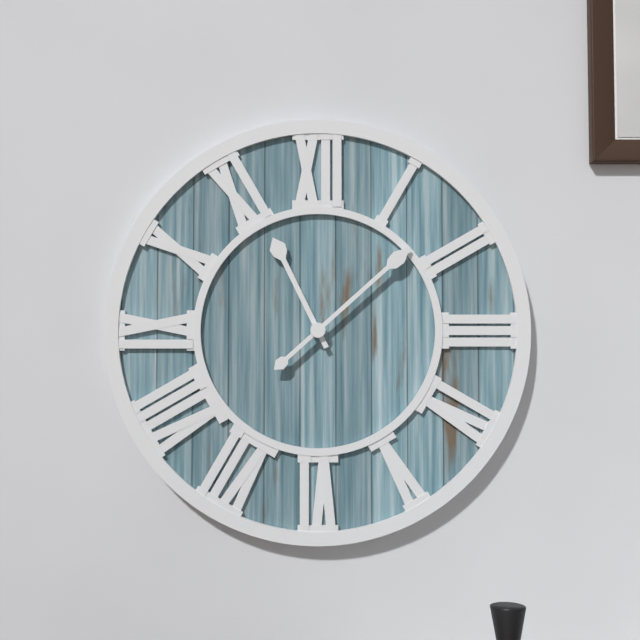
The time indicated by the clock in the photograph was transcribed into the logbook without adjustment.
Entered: 11:08
